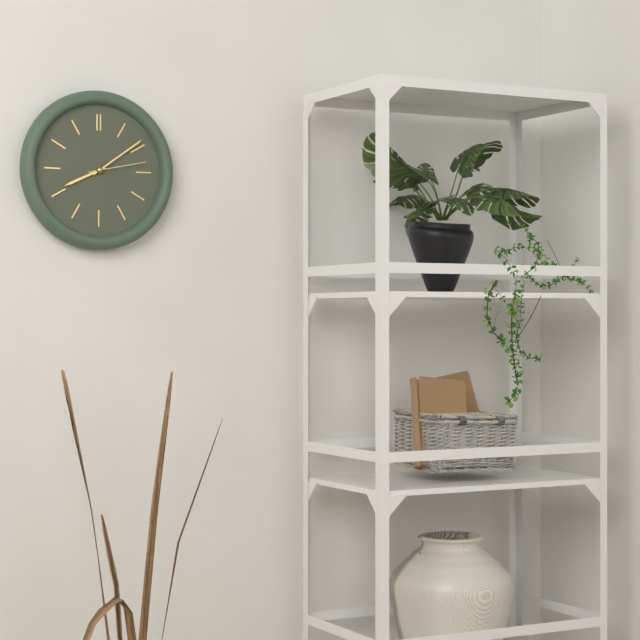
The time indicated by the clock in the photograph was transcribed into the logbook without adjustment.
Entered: 8:09:13
